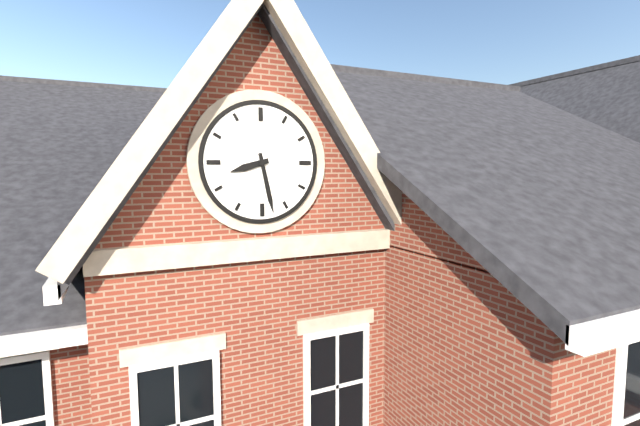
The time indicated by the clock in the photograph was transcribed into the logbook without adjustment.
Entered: 8:28
